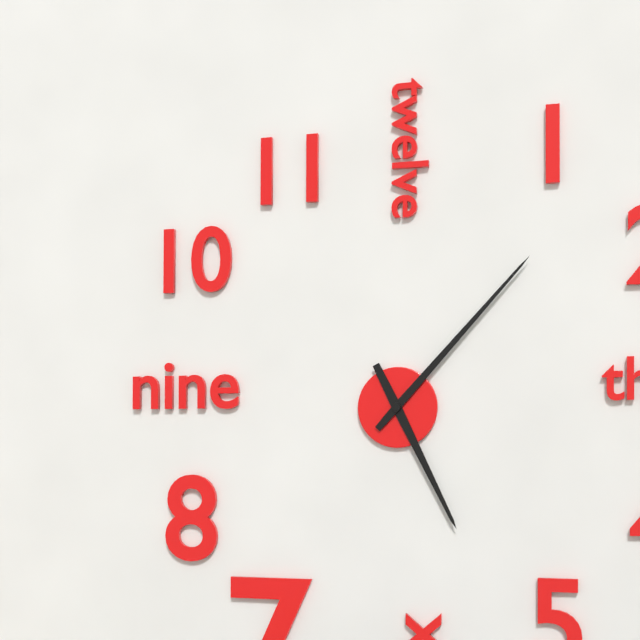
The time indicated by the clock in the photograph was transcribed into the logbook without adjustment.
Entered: 5:07
